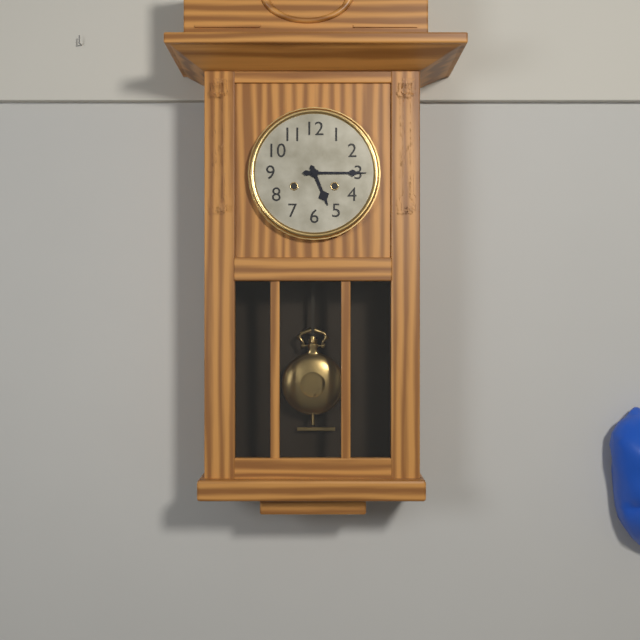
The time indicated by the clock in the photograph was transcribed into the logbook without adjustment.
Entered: 5:15
